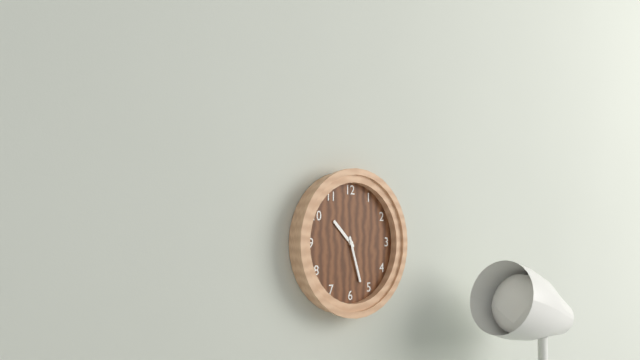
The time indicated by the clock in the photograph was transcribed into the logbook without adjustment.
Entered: 10:27
